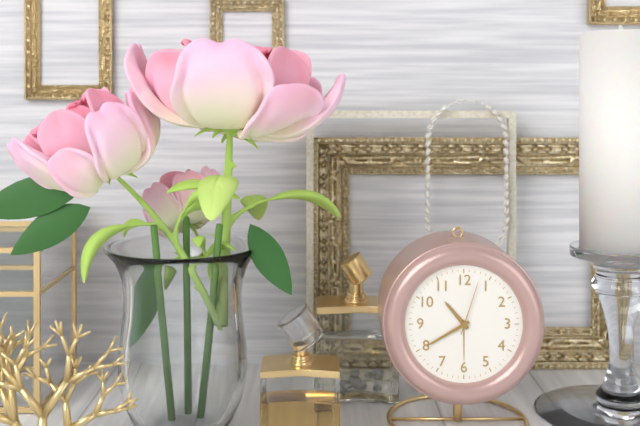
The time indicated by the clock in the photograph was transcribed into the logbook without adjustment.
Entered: 10:40
